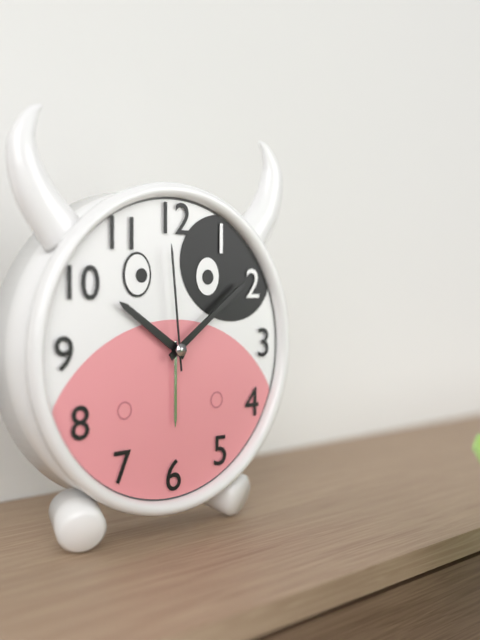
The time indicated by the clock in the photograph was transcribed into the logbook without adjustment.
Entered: 10:09:59
